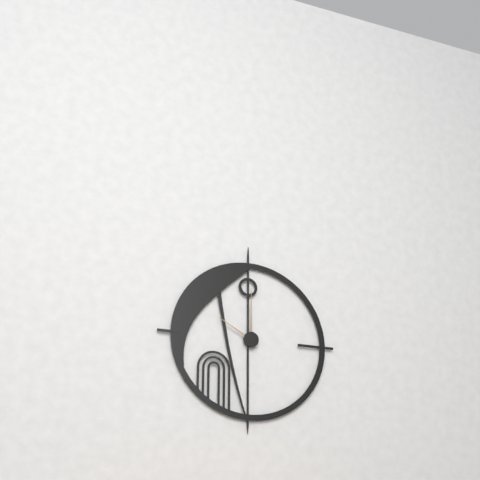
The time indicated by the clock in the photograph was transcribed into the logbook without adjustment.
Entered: 10:00
